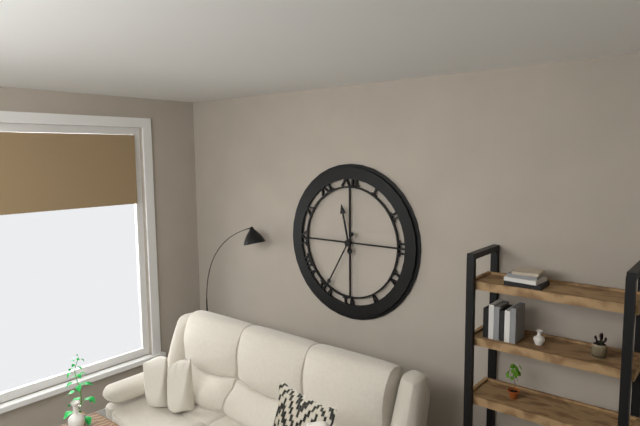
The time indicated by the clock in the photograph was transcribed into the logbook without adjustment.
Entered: 11:35
